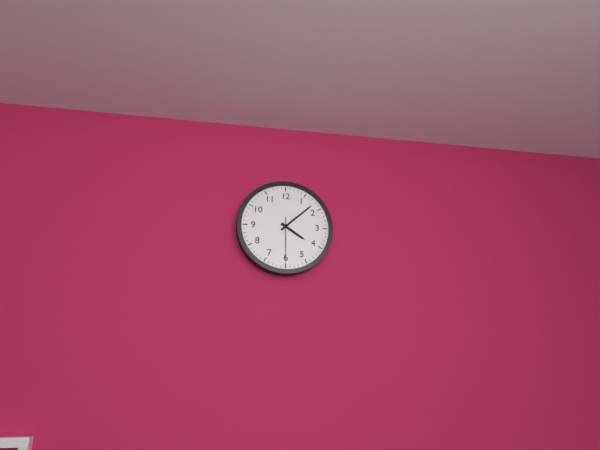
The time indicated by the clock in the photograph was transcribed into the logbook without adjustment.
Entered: 4:08
